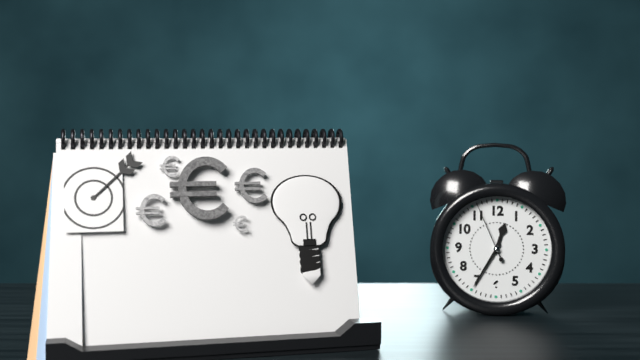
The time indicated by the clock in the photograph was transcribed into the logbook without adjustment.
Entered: 12:35:56
